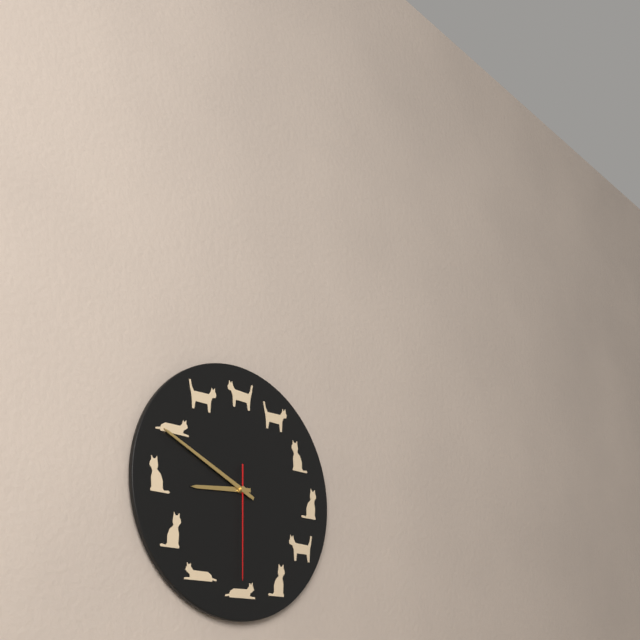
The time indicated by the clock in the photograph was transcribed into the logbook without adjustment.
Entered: 8:49:30
